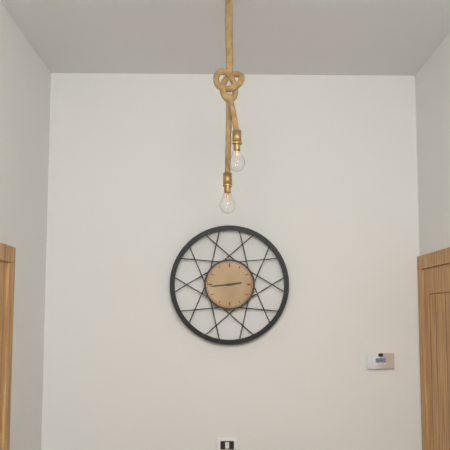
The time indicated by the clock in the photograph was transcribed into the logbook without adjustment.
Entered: 2:44
